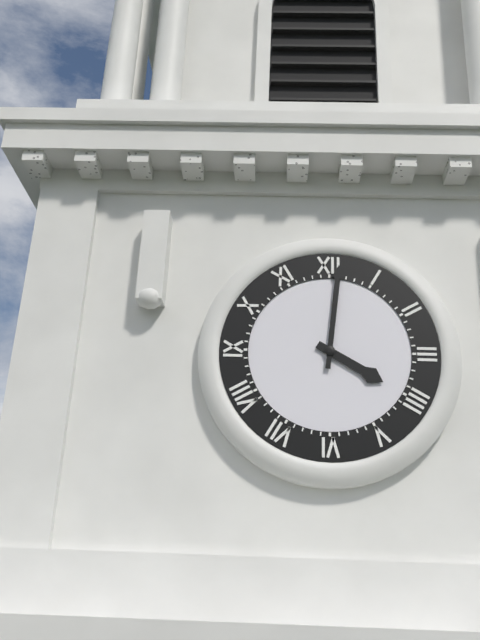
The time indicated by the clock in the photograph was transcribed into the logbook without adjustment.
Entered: 4:01
